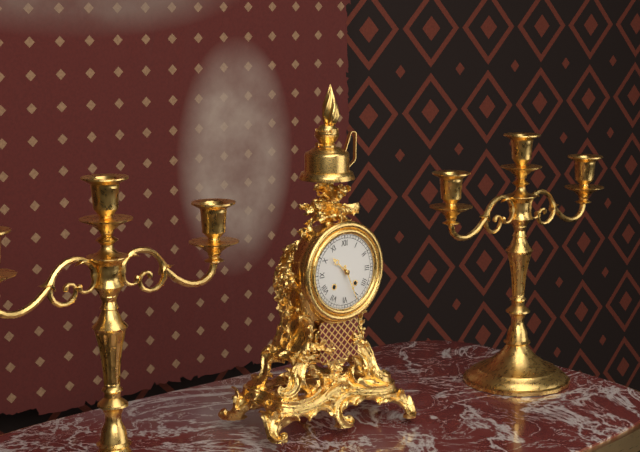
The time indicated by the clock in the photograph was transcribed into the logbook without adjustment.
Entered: 10:26
